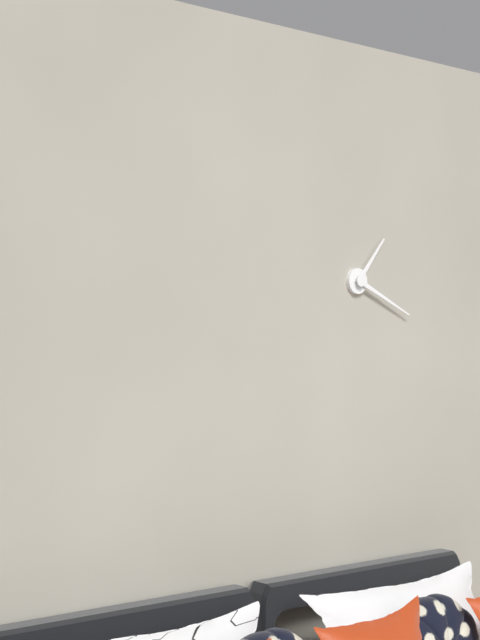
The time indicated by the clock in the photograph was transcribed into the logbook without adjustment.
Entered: 1:19
